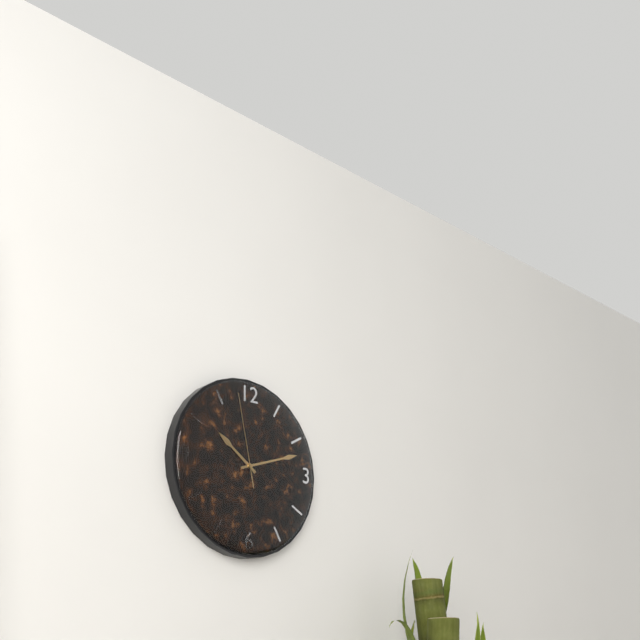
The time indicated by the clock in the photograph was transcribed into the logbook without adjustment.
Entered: 10:12:58
